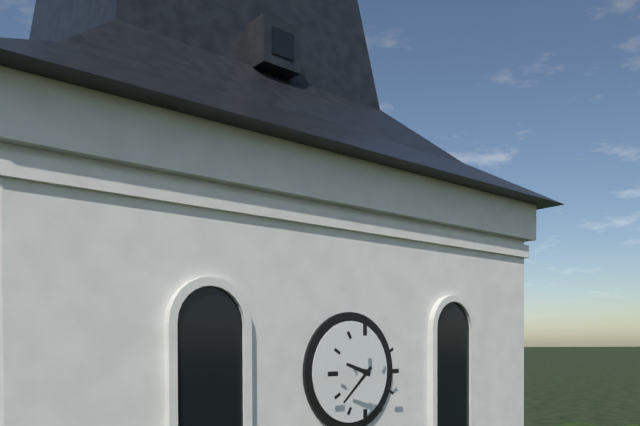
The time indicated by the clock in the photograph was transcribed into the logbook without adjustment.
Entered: 9:38
